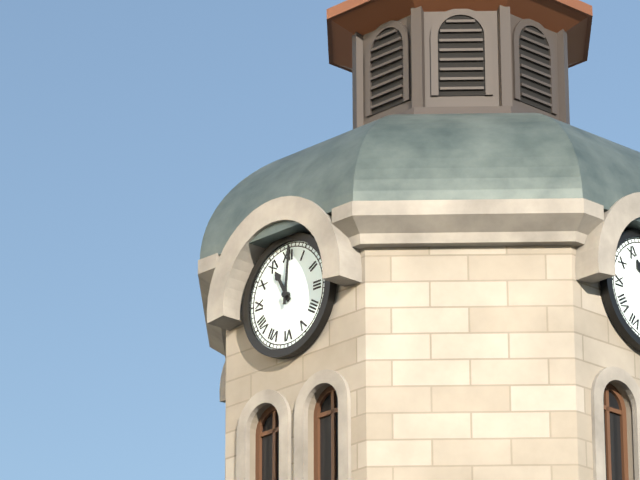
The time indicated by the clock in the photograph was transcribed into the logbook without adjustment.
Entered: 11:01
